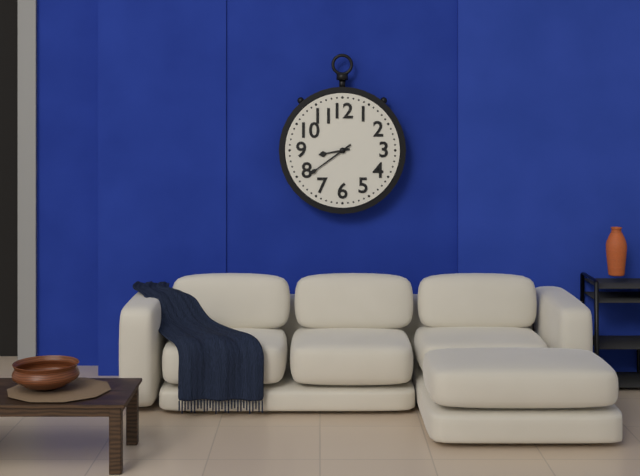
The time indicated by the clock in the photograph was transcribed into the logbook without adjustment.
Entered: 8:39
